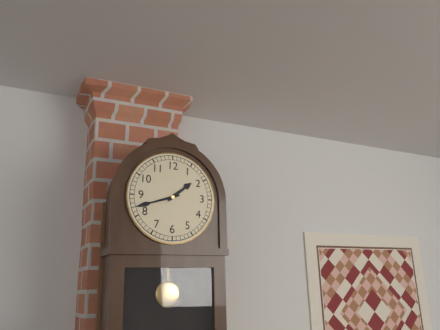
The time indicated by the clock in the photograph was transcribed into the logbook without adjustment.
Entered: 1:42
